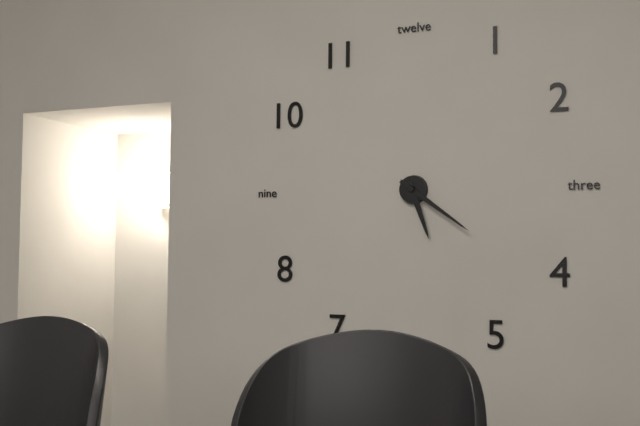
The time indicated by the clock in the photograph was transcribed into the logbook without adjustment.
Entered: 5:21
